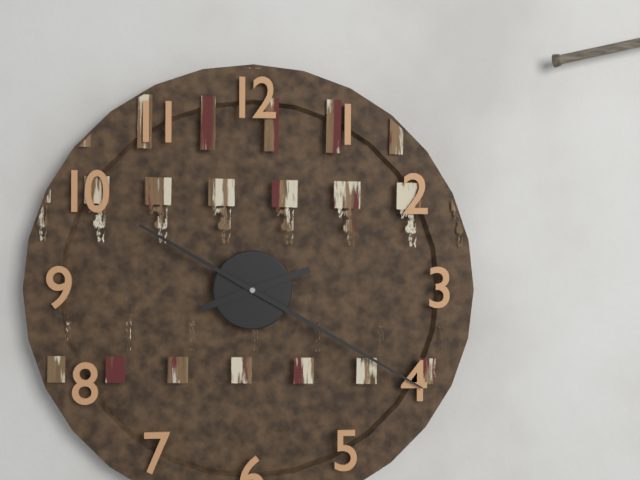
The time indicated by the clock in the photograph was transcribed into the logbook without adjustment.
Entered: 2:20
